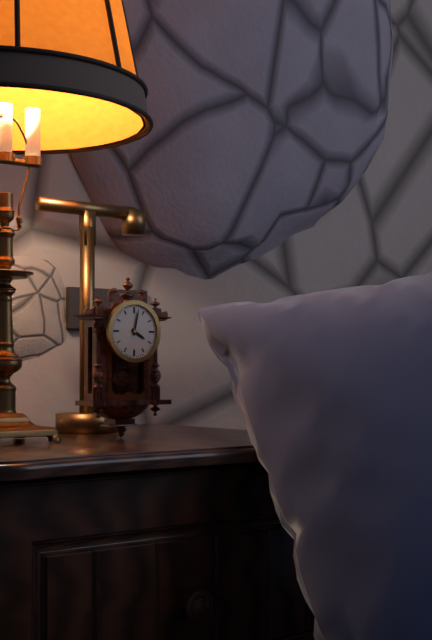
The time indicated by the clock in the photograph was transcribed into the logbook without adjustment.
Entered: 4:02
